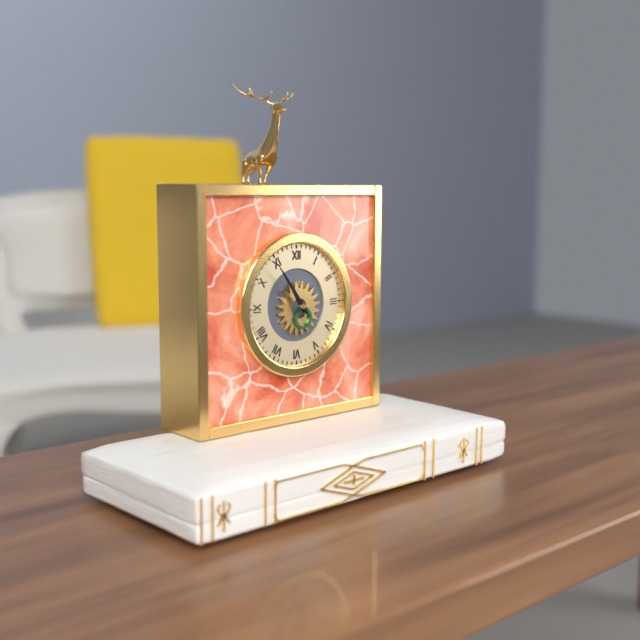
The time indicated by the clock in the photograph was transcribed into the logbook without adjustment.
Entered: 10:54
